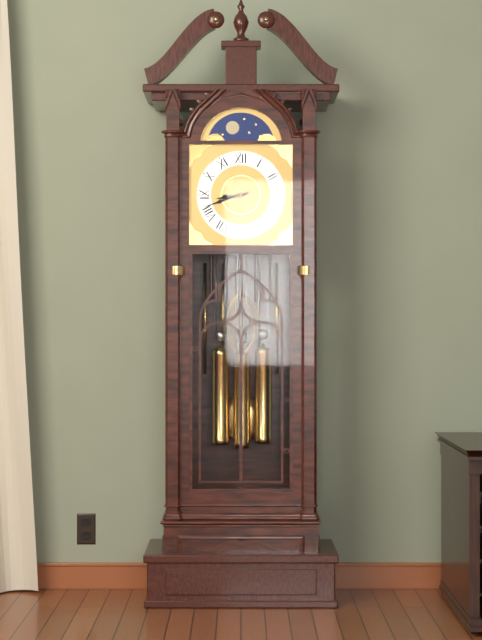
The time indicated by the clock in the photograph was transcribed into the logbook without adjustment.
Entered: 8:42
